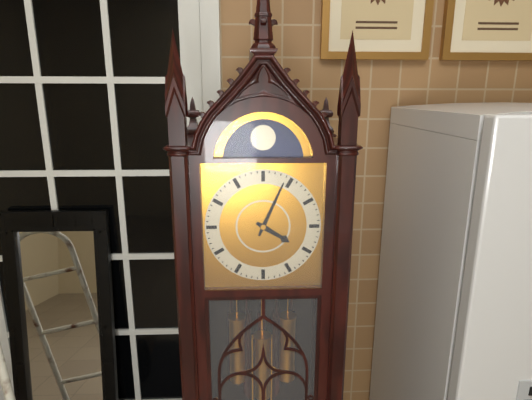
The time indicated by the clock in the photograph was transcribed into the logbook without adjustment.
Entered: 4:04
